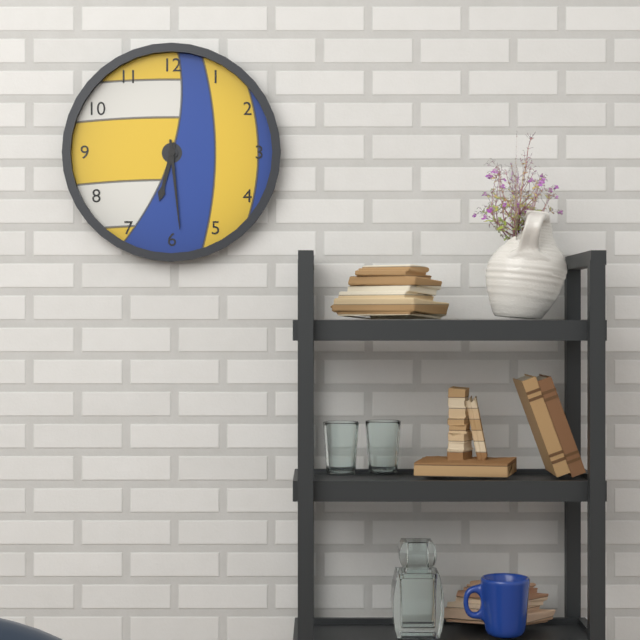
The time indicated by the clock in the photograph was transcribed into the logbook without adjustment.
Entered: 6:29
